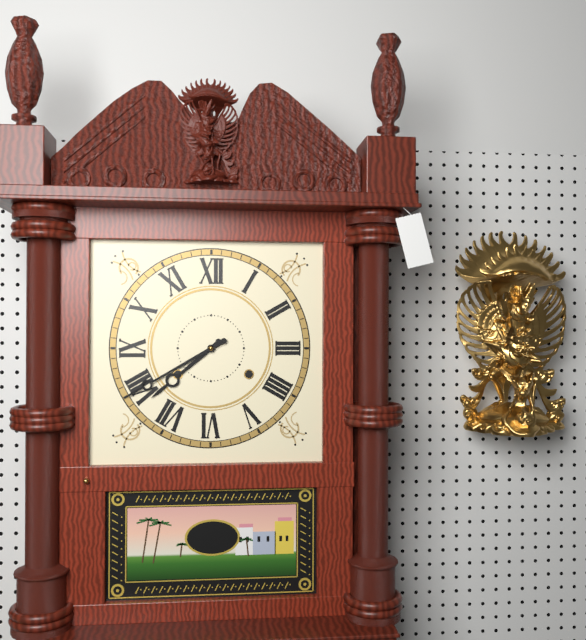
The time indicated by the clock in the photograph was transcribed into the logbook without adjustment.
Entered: 7:40
